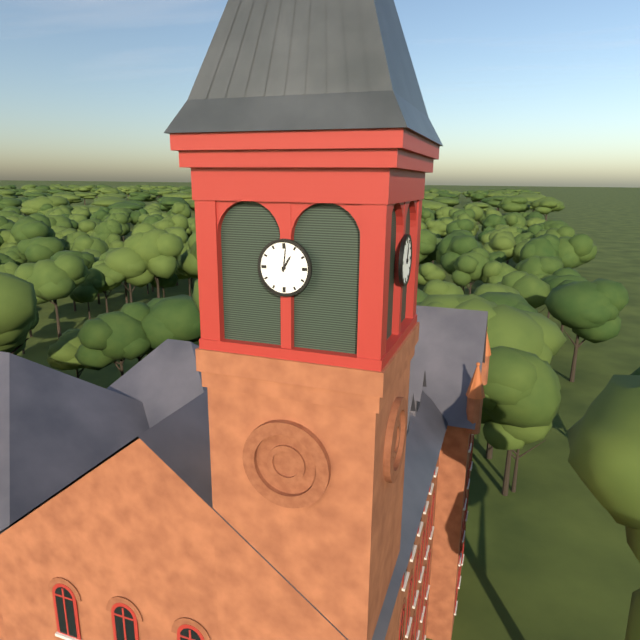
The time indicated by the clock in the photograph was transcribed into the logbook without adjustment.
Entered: 1:01
